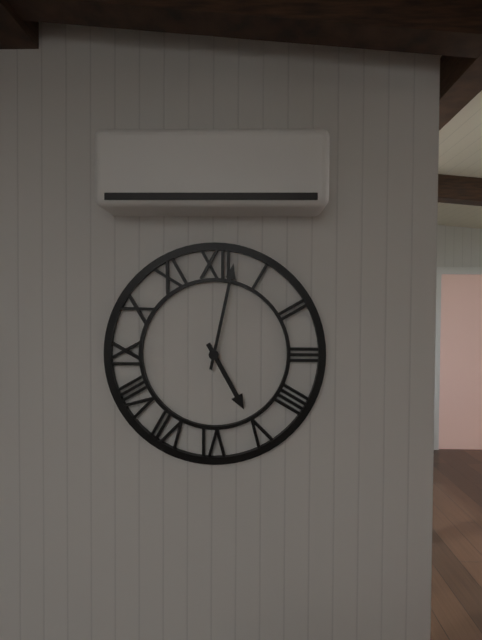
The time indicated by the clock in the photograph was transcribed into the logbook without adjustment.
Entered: 5:02
